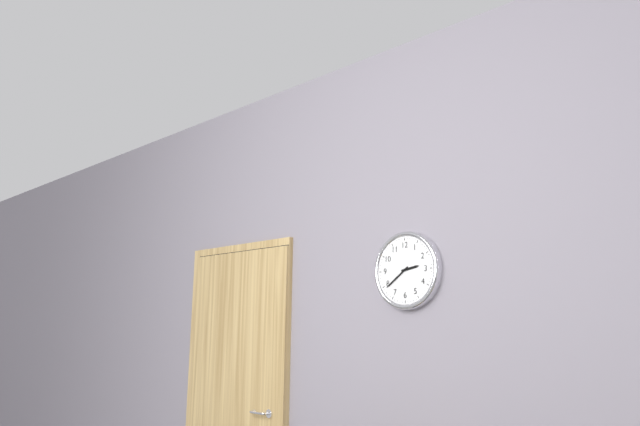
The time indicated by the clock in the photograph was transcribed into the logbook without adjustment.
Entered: 2:39
